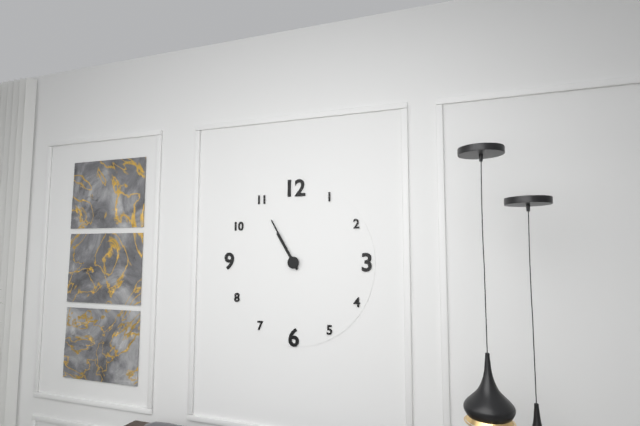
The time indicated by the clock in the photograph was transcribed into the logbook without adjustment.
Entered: 10:55
